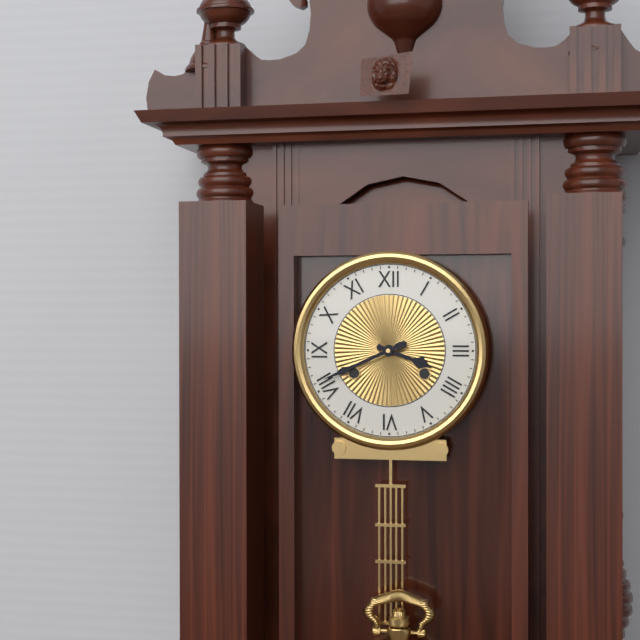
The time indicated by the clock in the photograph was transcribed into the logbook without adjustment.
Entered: 3:41
